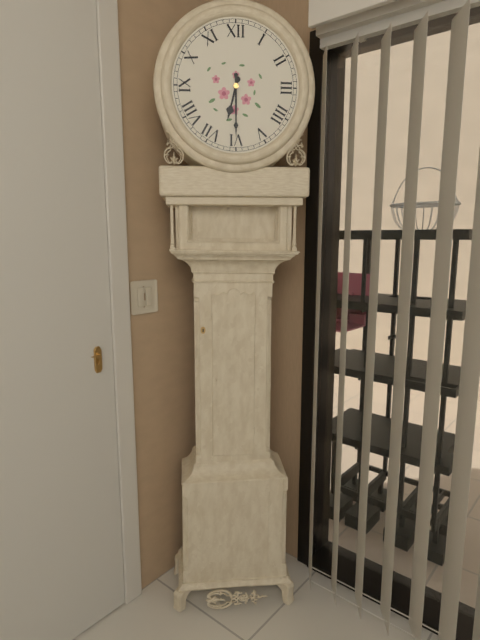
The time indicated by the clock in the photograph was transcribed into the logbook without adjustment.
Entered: 6:30
